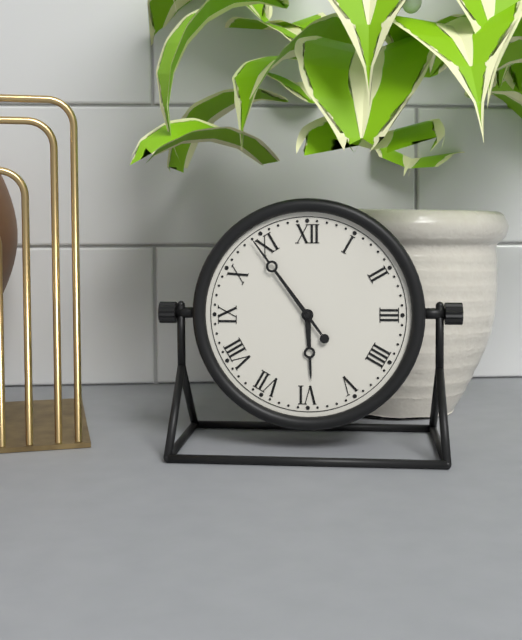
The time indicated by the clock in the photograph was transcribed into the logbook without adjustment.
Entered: 5:54
